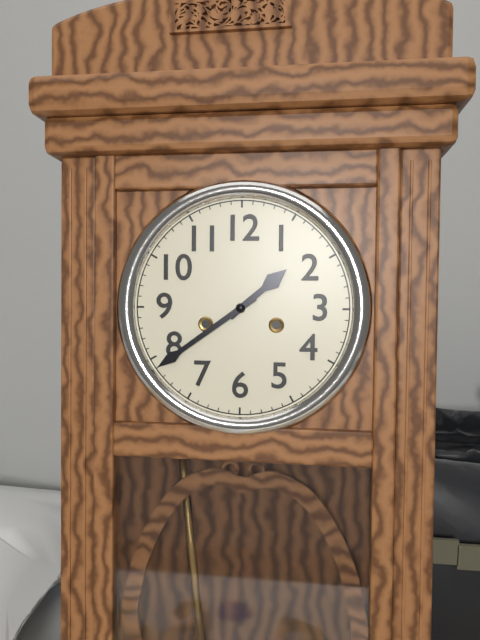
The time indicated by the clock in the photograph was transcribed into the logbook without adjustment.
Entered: 1:39
